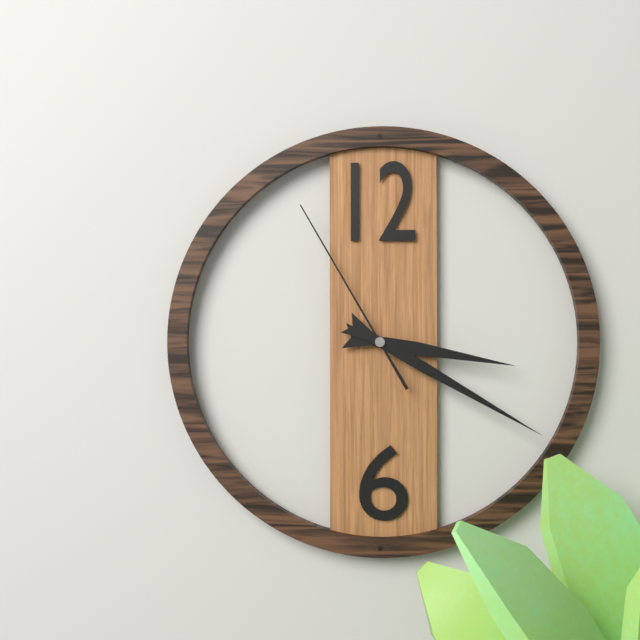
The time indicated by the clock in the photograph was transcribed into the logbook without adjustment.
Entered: 3:20:55
